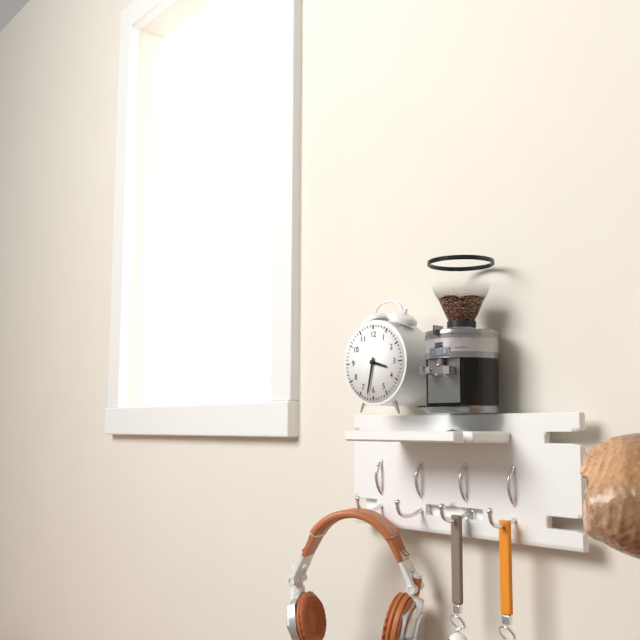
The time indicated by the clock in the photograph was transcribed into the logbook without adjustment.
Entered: 3:32
